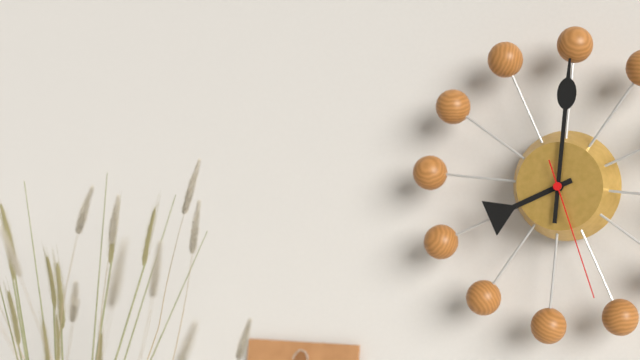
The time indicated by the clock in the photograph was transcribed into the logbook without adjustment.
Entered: 8:00:26
